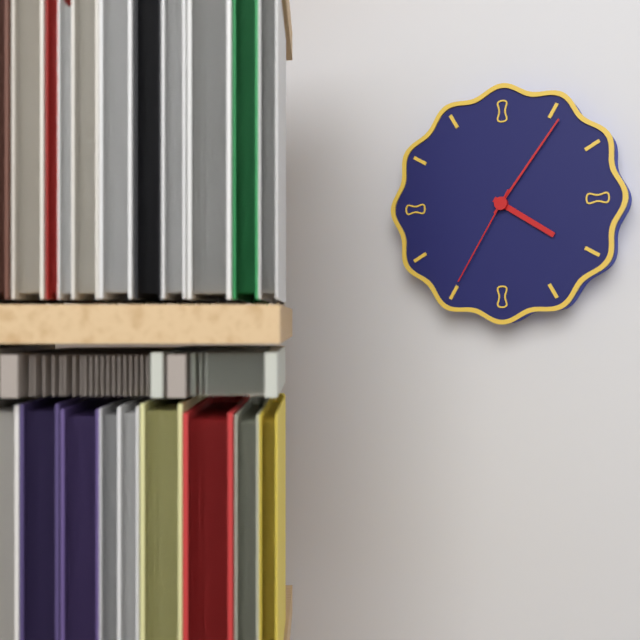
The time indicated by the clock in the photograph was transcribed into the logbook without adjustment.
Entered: 4:06:35
